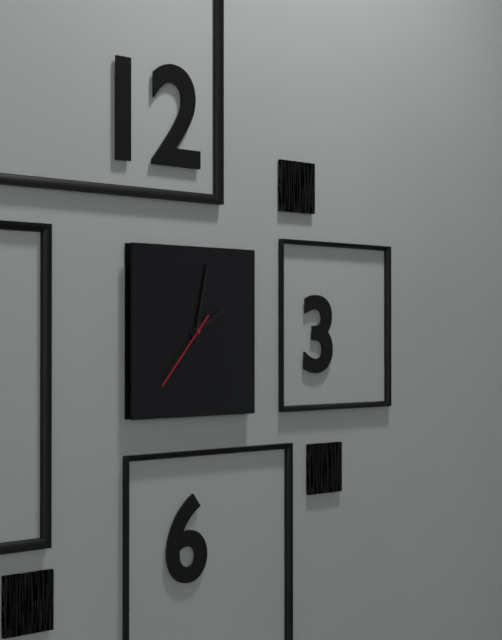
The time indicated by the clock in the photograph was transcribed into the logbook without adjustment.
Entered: 2:02:37
